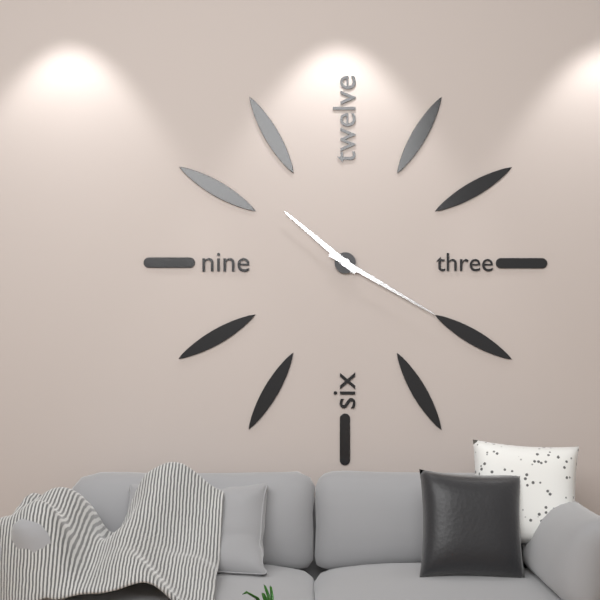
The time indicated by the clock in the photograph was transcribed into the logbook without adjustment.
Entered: 10:20
